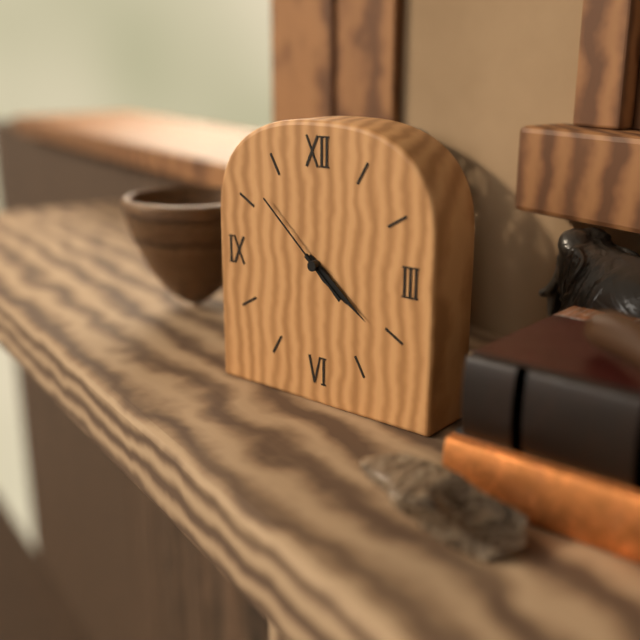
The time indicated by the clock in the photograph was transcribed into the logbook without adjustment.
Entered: 4:21:52
